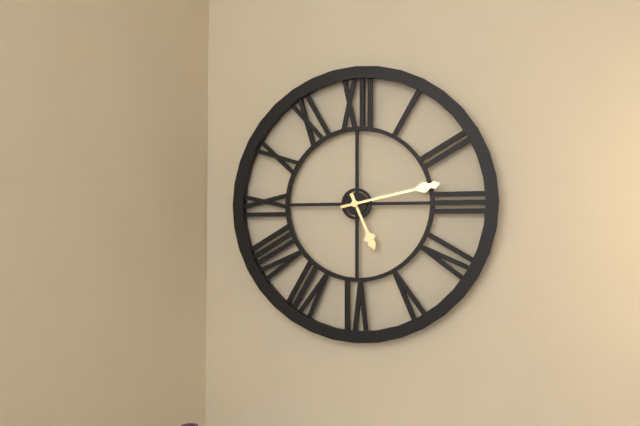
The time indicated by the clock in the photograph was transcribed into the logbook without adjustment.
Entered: 5:13
